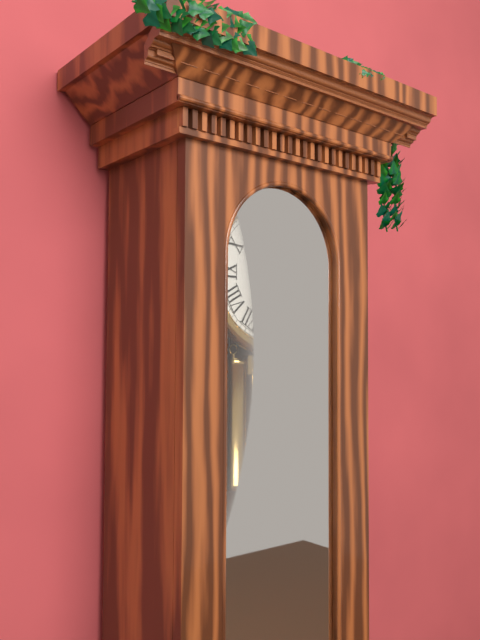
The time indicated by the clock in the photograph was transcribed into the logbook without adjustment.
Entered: 4:28
